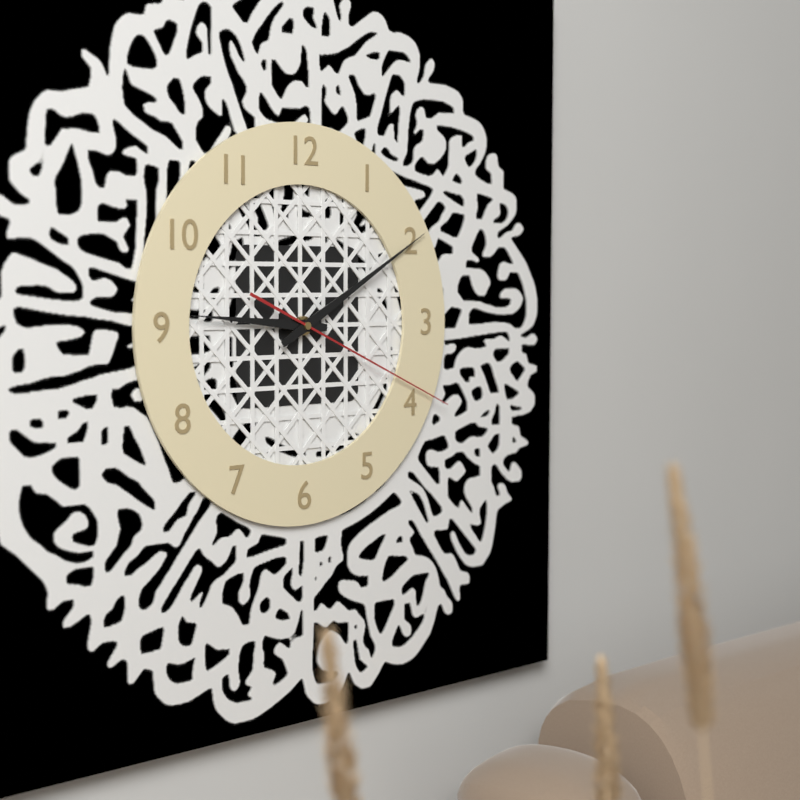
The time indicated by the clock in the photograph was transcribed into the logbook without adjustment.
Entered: 9:10:19
